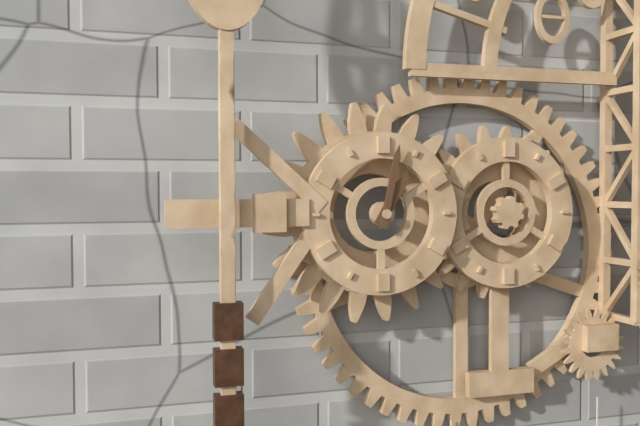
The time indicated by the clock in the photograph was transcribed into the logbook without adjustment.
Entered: 1:02
